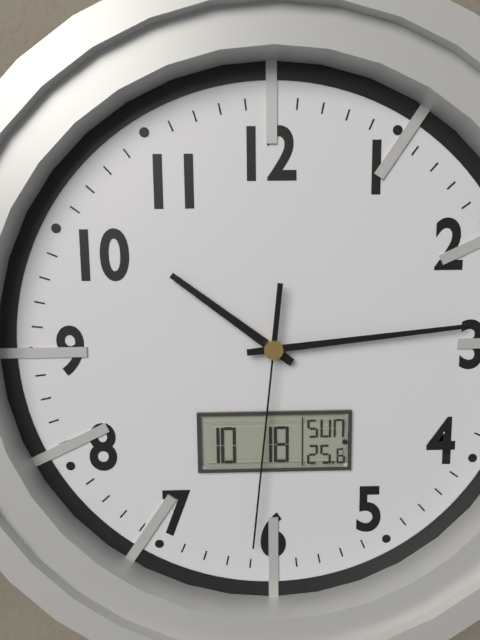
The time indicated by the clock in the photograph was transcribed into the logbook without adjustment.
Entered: 10:14:31
